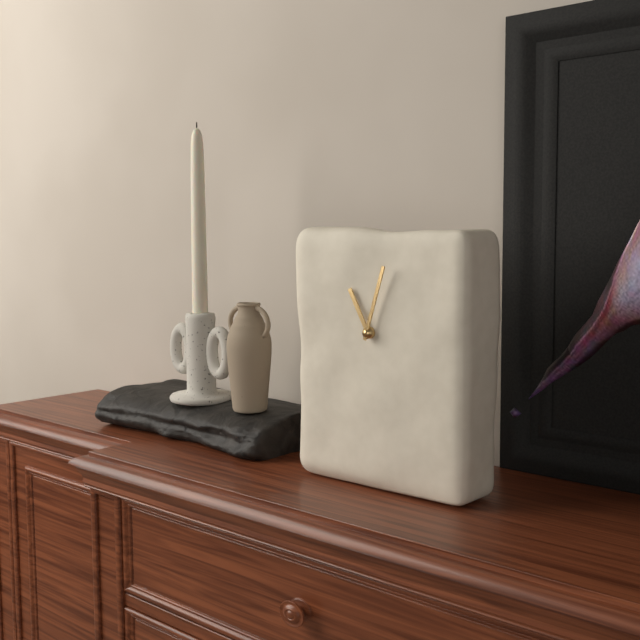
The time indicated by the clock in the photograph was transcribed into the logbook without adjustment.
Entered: 11:03
